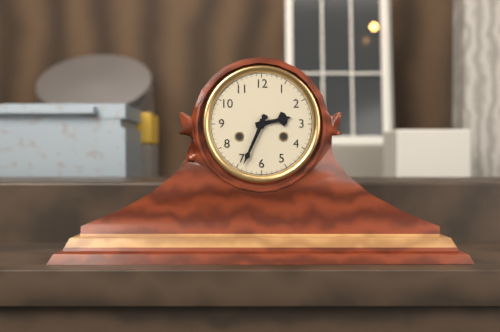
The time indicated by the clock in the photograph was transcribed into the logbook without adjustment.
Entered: 2:34
